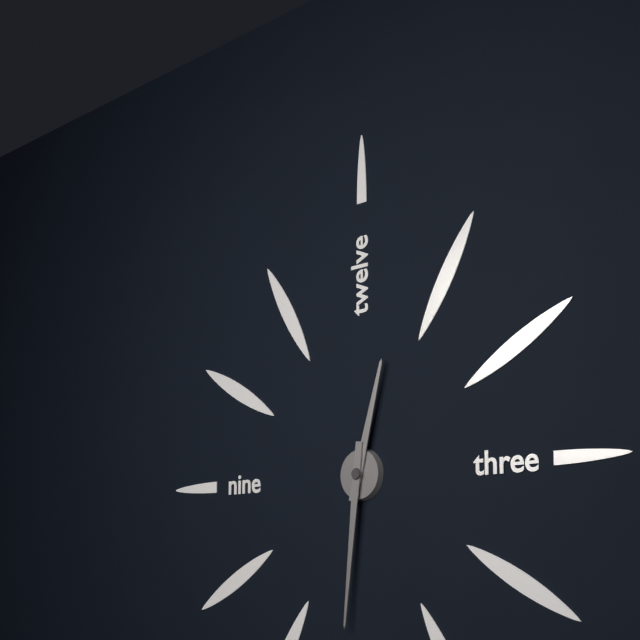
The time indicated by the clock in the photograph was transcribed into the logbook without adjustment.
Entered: 12:31
